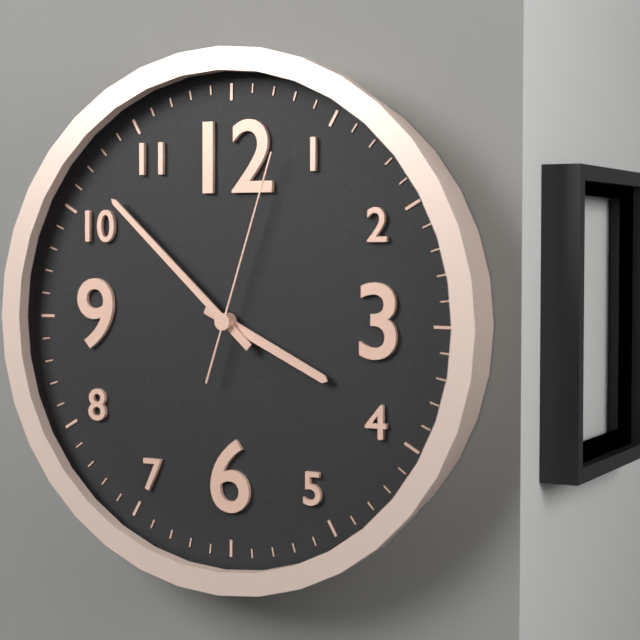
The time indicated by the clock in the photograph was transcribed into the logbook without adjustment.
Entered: 3:52:03
